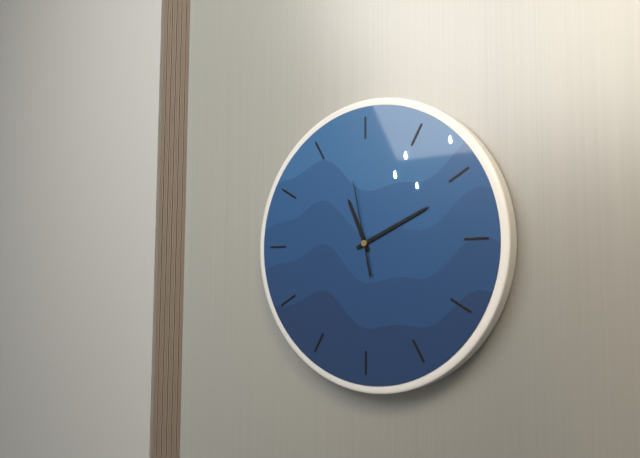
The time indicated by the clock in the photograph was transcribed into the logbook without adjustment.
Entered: 11:11:58
